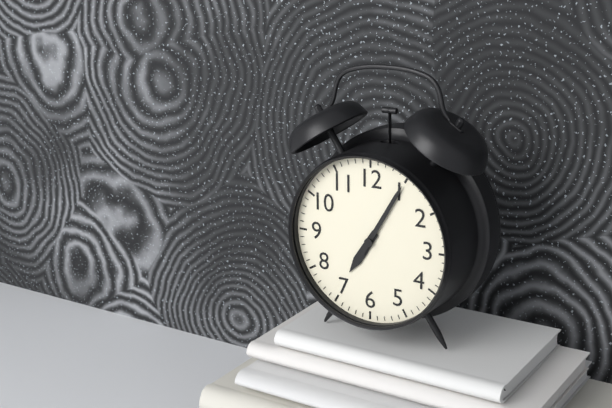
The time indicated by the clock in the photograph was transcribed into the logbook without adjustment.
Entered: 7:05
